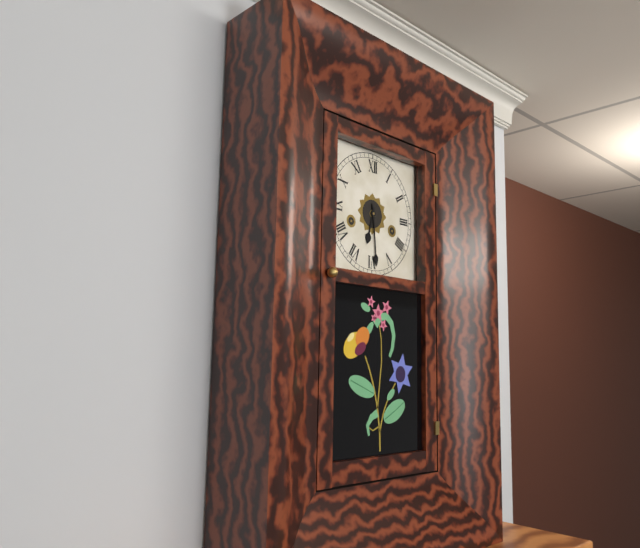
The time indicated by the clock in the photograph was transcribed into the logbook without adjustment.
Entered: 6:29
